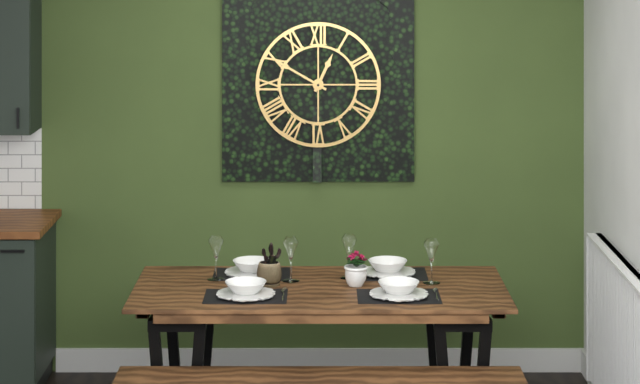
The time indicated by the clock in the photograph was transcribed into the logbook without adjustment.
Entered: 12:50
